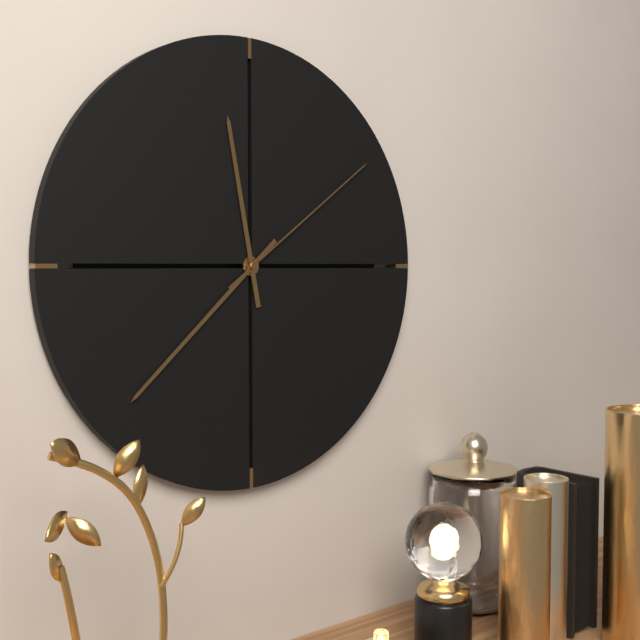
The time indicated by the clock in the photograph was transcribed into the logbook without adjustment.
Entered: 11:38:09
